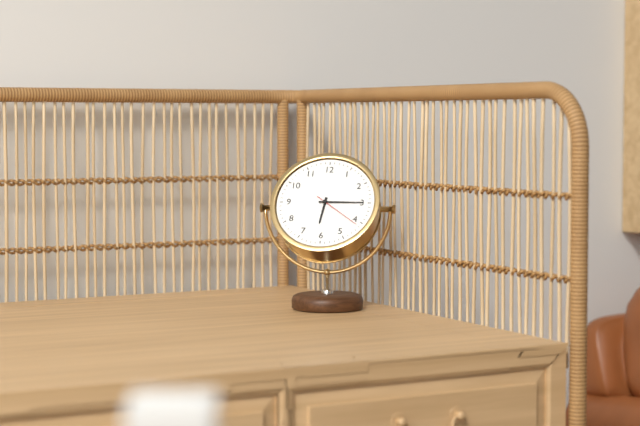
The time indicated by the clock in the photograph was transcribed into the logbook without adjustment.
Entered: 6:15
